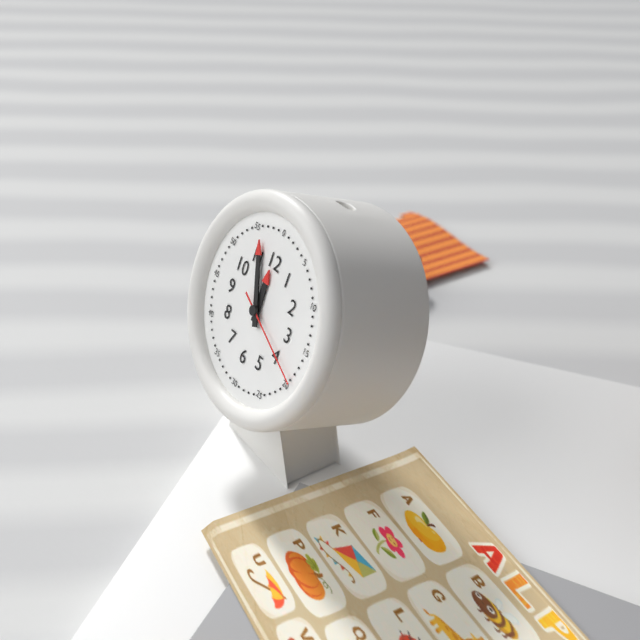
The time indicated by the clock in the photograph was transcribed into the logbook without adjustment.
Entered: 11:56:19
